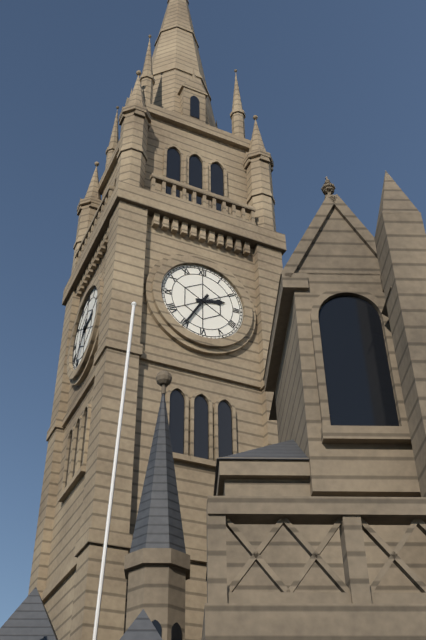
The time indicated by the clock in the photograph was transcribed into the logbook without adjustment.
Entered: 2:35
